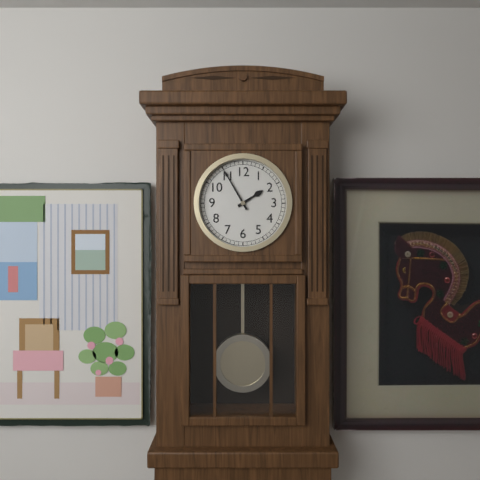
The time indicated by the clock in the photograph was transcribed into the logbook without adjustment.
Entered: 1:55
